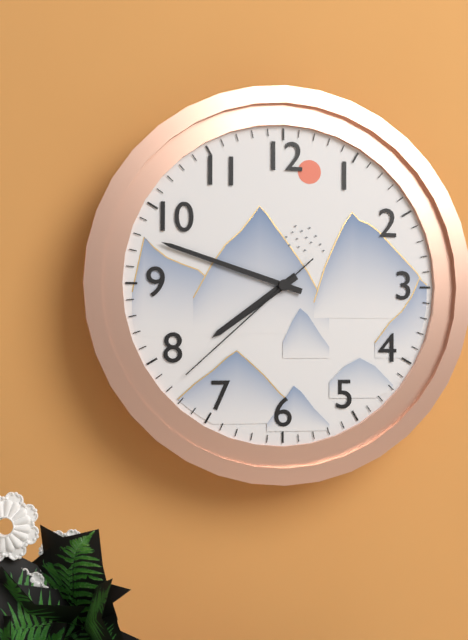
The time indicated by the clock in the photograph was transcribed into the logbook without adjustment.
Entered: 7:48:38
